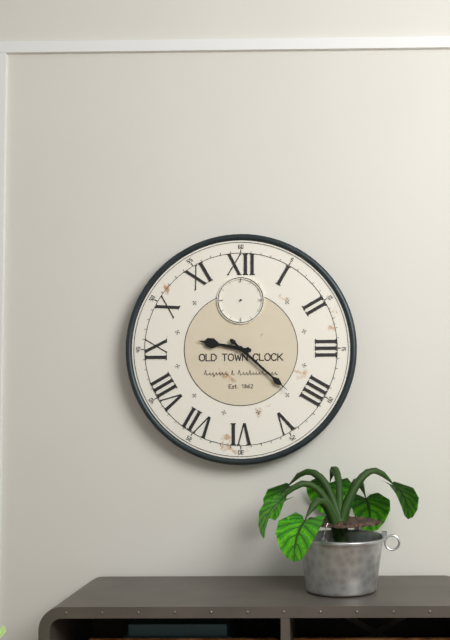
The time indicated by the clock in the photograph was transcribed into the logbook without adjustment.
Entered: 9:22
